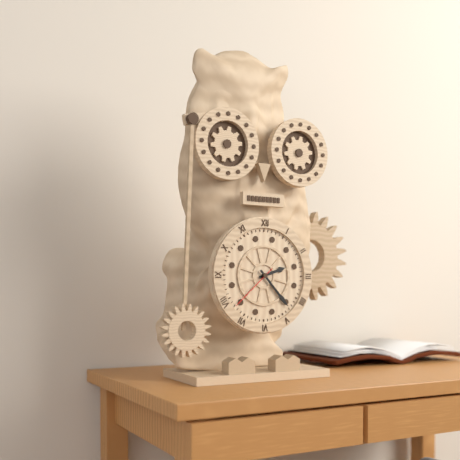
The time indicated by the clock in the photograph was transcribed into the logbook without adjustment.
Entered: 2:23:38
